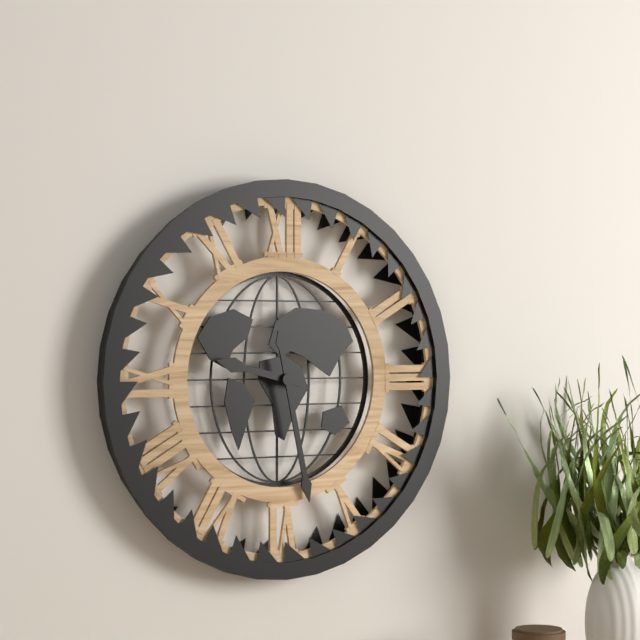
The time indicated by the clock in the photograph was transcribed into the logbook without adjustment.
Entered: 9:28
